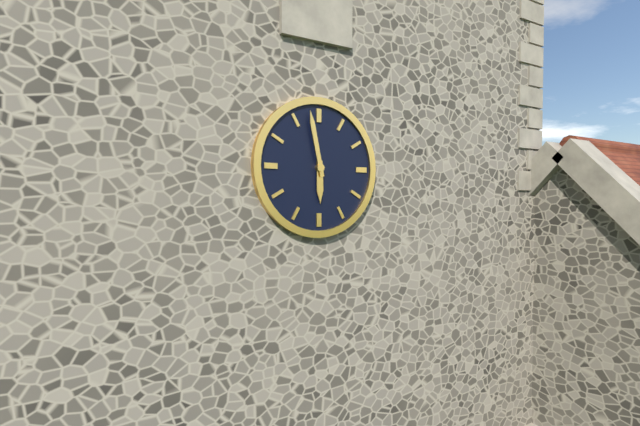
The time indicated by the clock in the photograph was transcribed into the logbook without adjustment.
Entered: 5:58
